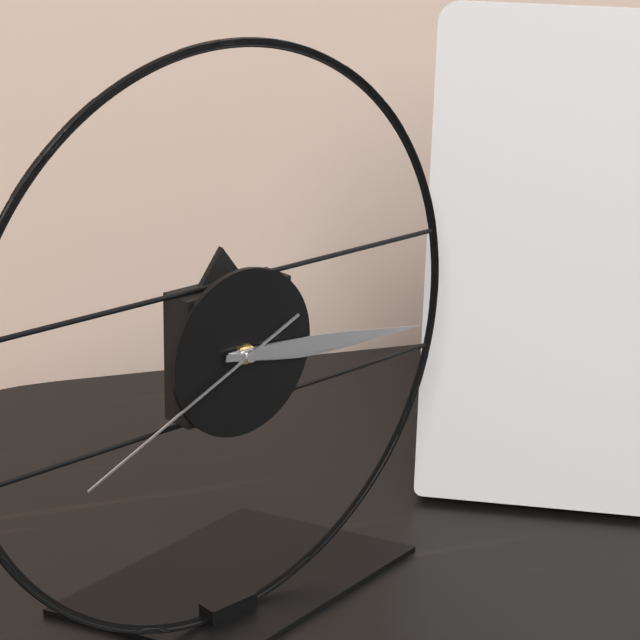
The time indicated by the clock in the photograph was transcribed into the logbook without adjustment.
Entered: 3:16:41
